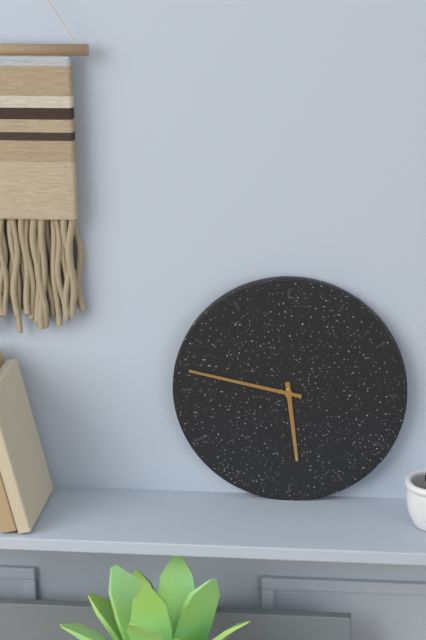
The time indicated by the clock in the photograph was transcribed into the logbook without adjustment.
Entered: 5:47
